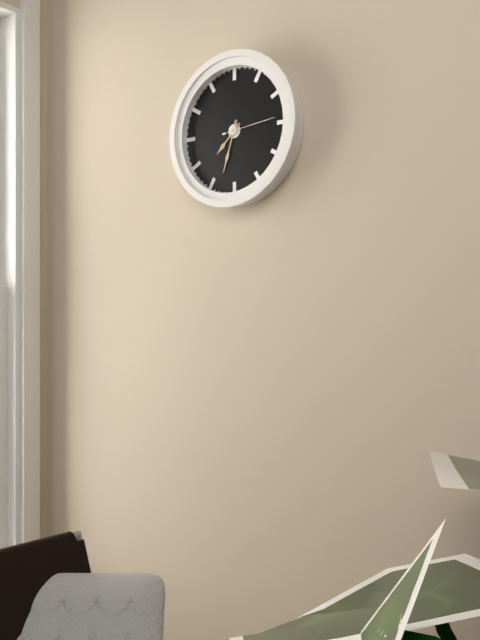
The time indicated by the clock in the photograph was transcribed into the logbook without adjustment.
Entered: 7:33
